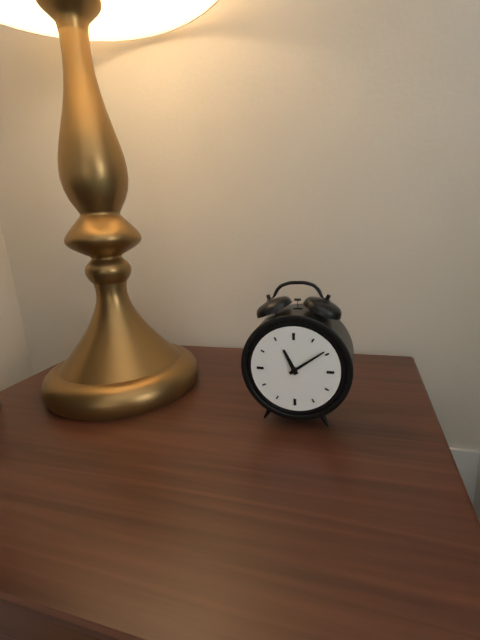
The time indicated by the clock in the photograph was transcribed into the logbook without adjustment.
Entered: 11:09
